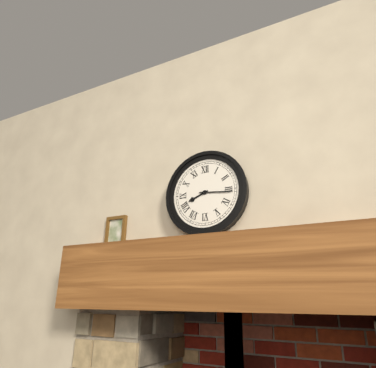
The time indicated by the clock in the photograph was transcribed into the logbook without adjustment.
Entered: 8:16
